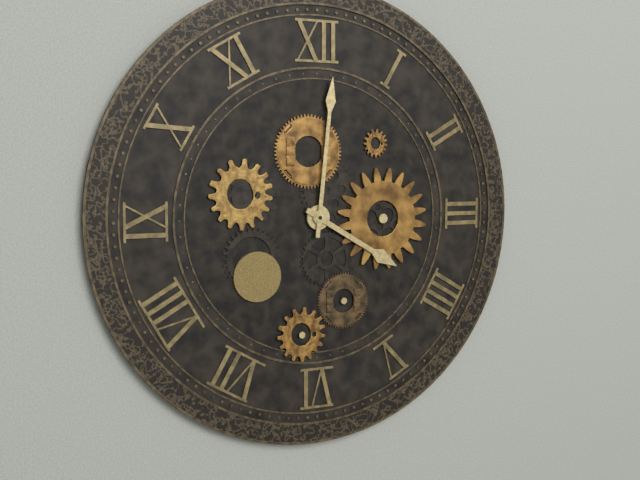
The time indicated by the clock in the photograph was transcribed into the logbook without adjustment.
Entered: 4:01
